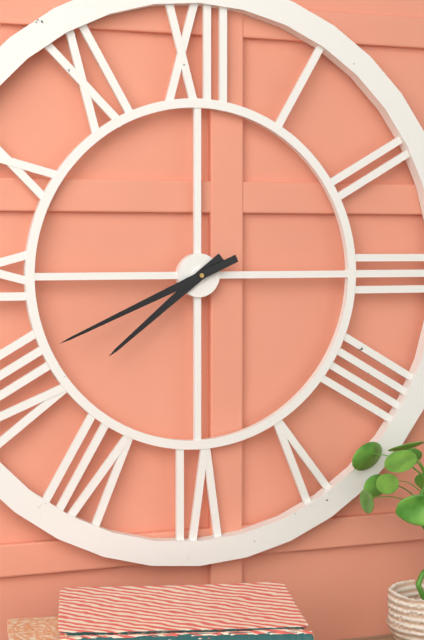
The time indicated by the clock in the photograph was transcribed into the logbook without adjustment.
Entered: 7:41
